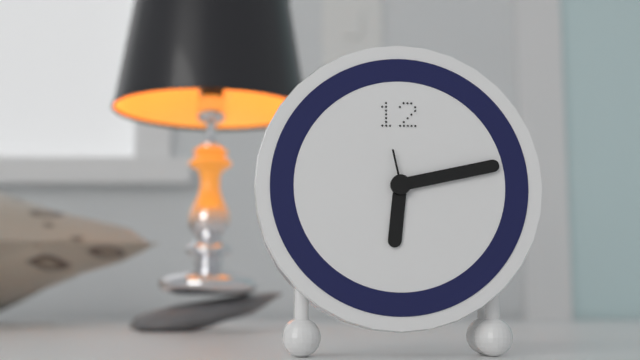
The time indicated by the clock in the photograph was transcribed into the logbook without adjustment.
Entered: 6:13:58
